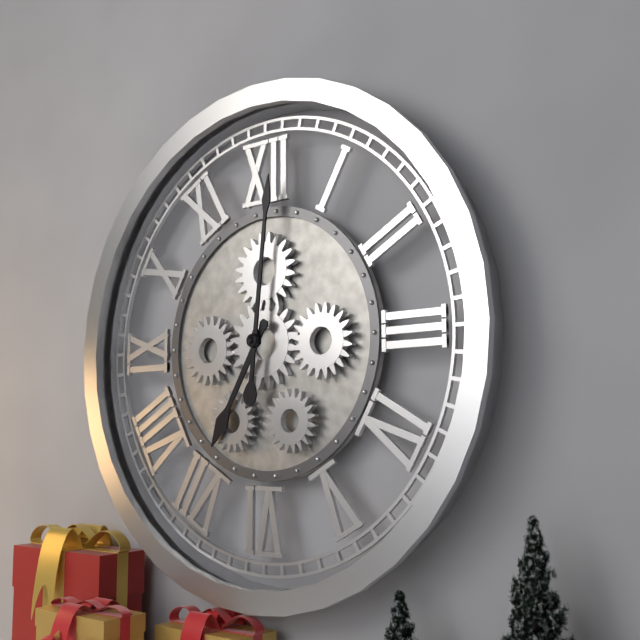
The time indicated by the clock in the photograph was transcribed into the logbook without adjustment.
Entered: 7:01
